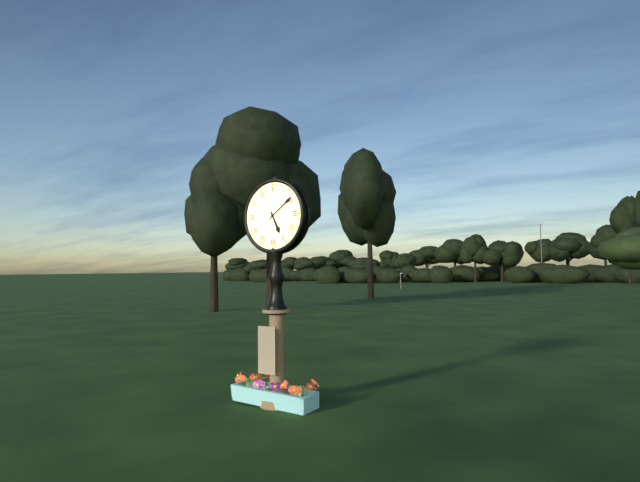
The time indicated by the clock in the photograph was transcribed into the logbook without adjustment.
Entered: 5:09
